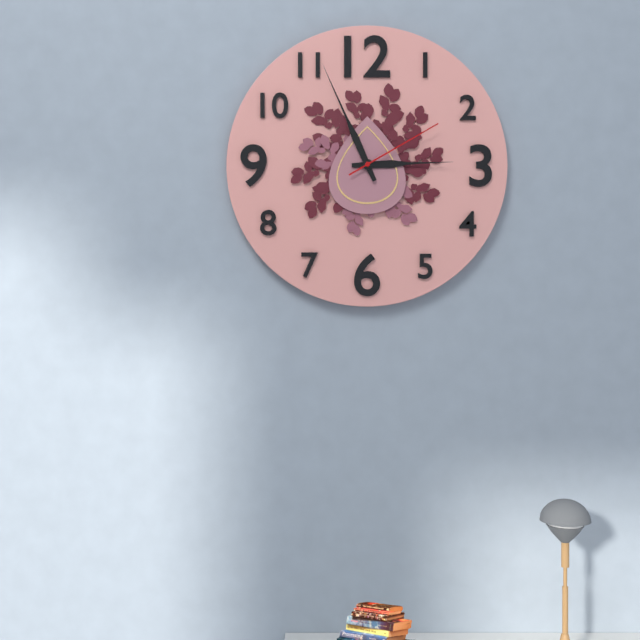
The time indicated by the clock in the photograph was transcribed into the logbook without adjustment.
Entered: 2:56:10
